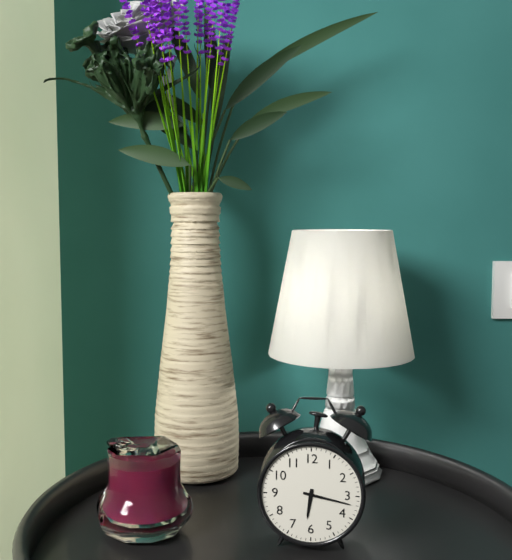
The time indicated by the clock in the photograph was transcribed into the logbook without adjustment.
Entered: 6:17
